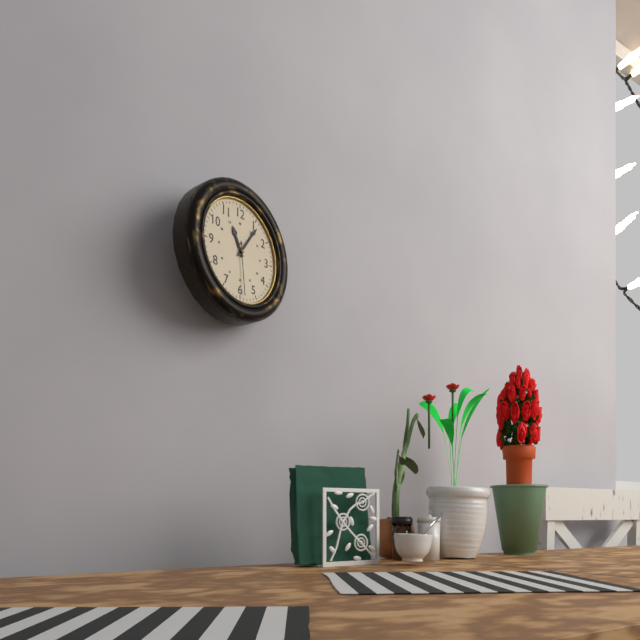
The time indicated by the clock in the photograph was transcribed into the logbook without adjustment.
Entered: 11:06:29
